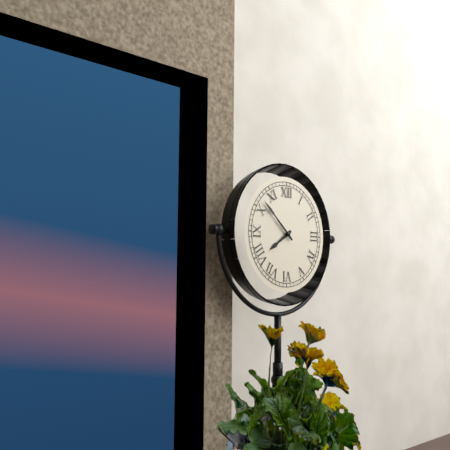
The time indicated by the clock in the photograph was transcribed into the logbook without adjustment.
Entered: 7:52
